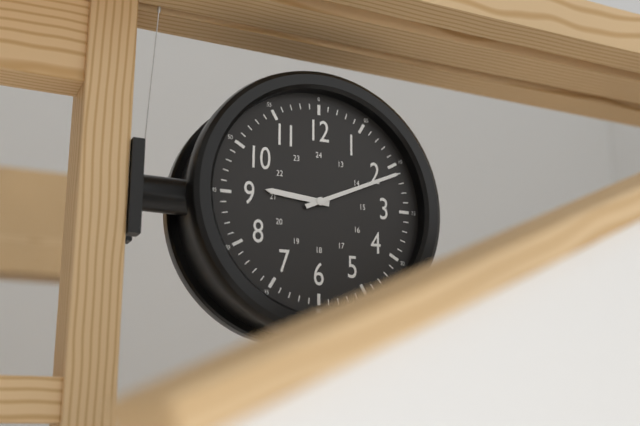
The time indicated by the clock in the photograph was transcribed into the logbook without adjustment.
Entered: 9:11
